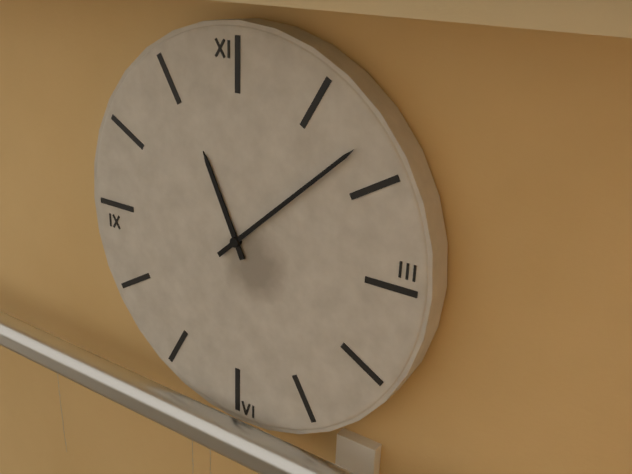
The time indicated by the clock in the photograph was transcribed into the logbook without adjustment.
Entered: 11:08
